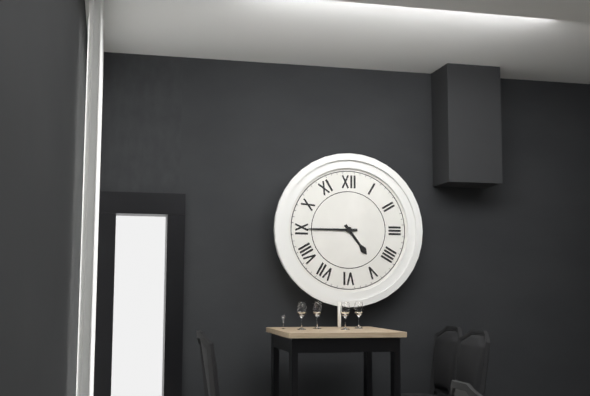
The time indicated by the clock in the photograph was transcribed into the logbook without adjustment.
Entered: 4:45
